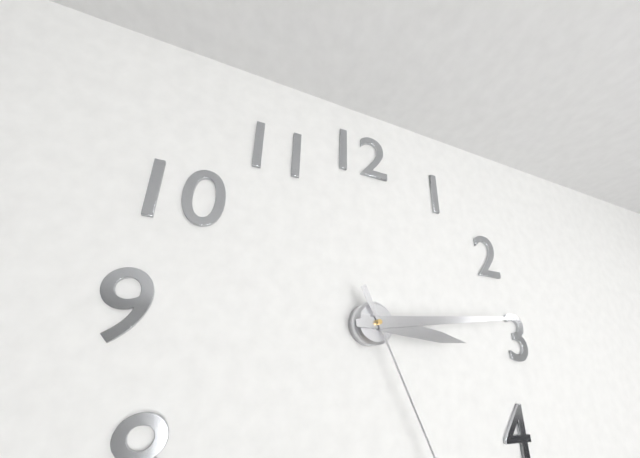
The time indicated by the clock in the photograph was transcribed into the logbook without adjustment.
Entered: 3:14
